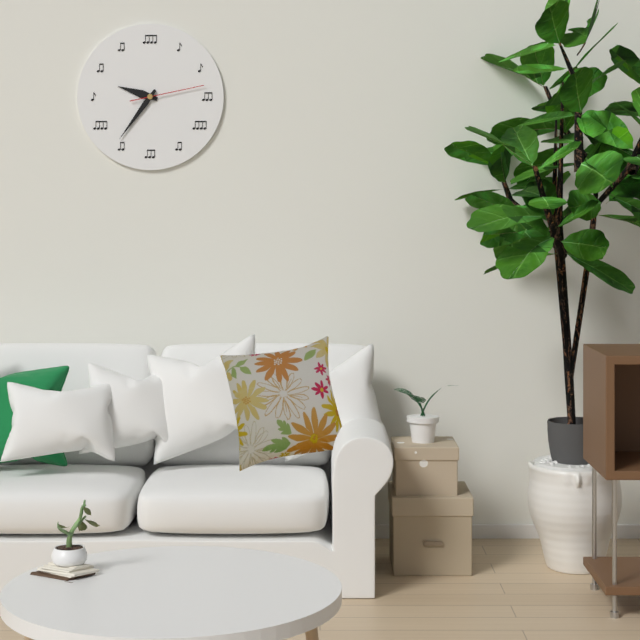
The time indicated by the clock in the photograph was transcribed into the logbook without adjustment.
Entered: 9:36:13
